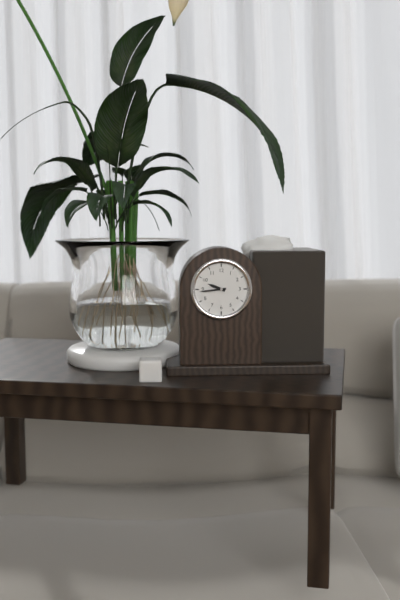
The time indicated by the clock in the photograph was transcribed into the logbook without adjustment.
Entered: 9:44
